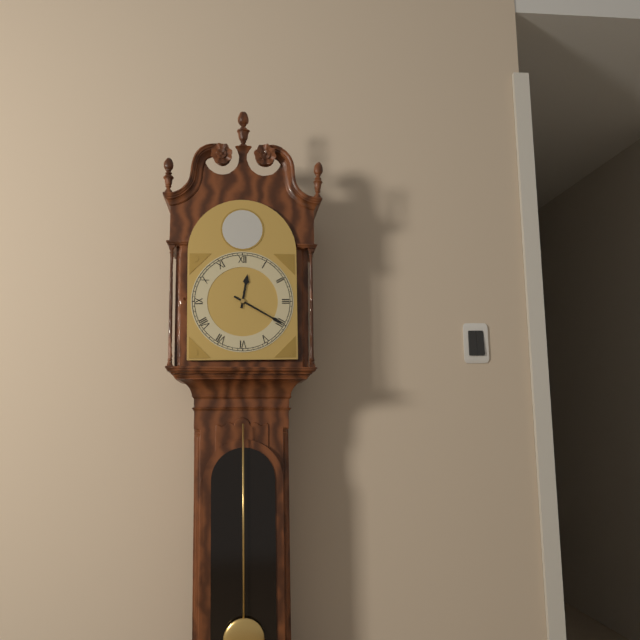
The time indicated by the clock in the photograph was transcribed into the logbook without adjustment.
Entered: 12:20
